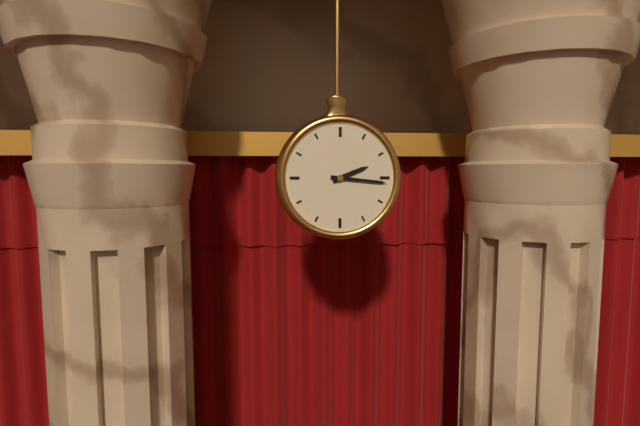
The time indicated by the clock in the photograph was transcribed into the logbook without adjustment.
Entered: 2:16
